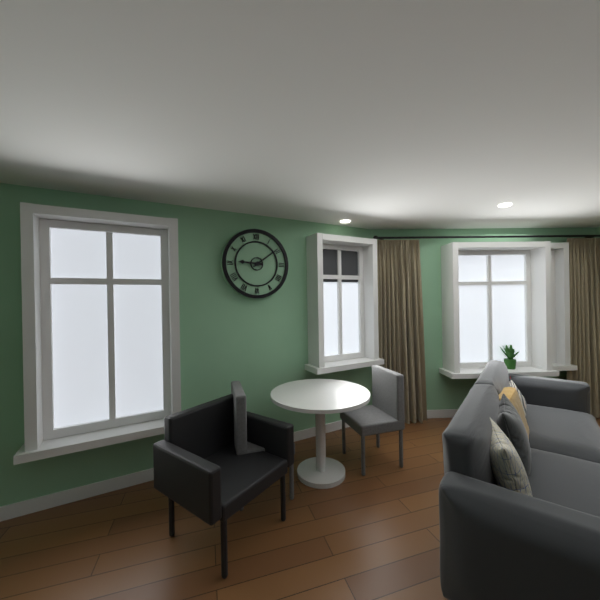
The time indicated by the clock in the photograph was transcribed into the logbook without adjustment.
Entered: 9:09
